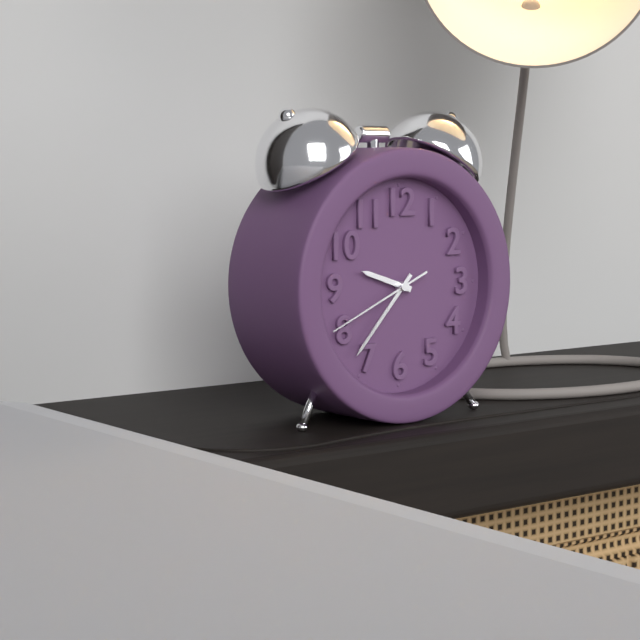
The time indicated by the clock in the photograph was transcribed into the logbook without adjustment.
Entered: 9:37:41
